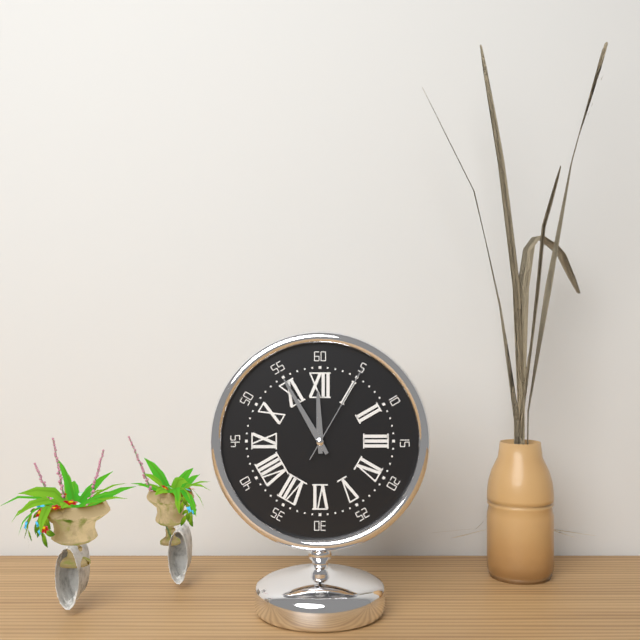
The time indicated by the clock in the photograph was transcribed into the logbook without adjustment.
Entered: 11:55:05
